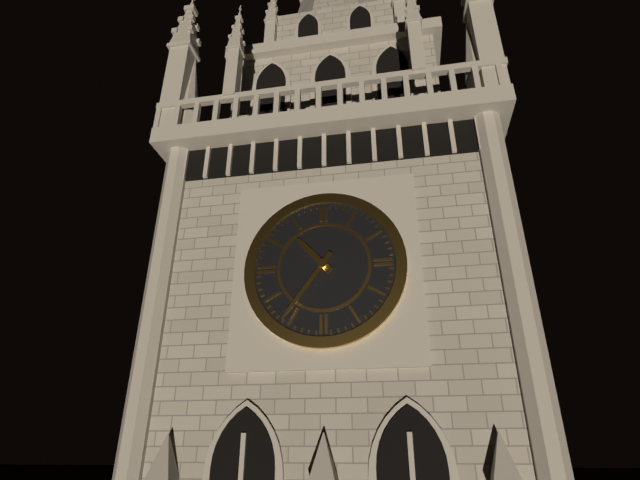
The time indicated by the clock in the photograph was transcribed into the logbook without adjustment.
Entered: 10:36
